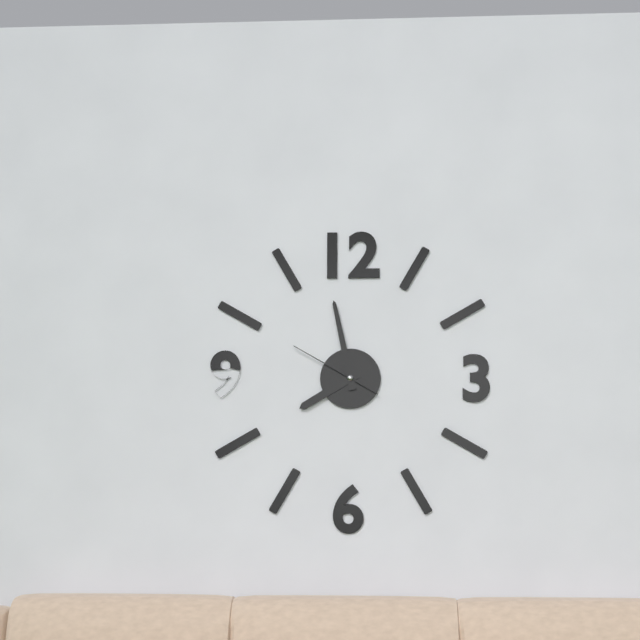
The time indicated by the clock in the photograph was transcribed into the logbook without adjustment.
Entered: 7:58:50
